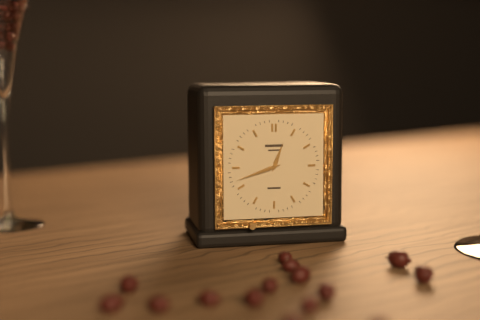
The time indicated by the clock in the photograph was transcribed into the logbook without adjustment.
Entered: 12:42
